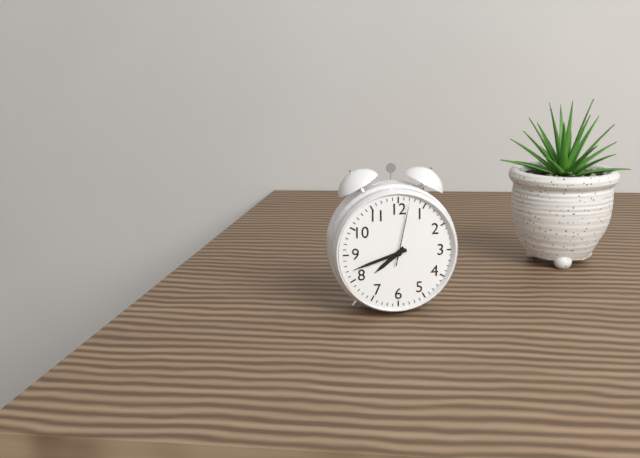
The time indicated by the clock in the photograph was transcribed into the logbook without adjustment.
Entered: 7:42:02
